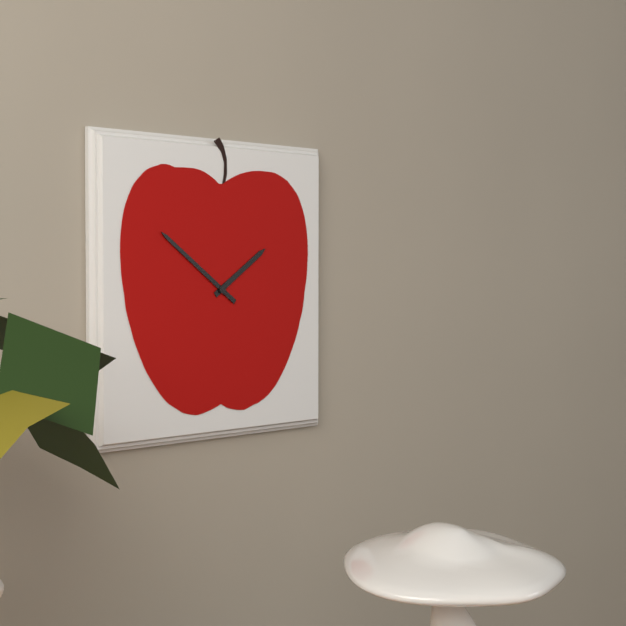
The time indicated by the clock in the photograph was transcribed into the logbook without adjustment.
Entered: 1:51
